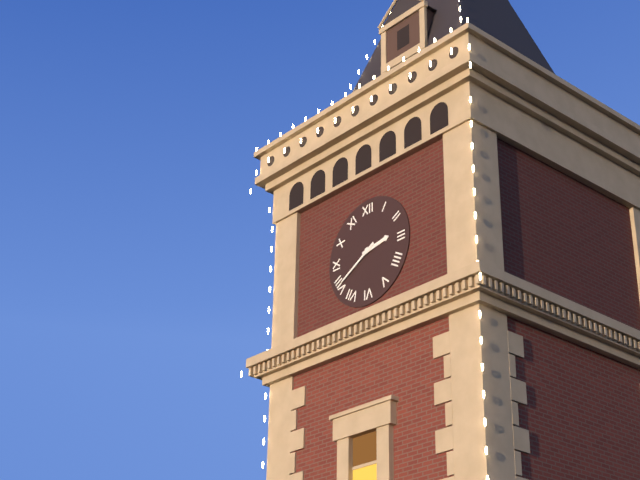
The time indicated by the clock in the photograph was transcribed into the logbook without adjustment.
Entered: 2:40
